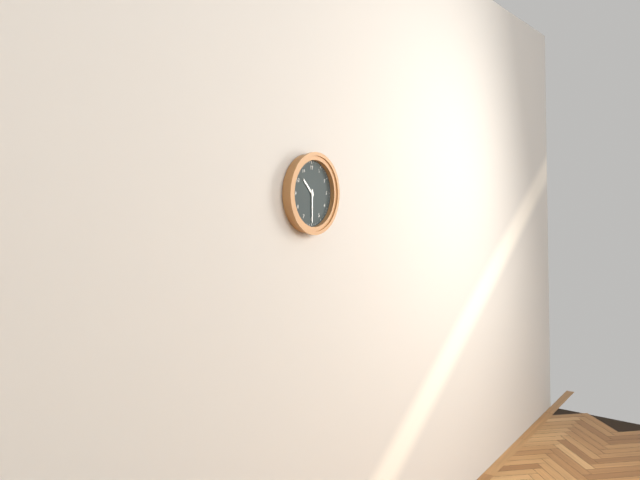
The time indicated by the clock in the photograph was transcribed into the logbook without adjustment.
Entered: 10:30
